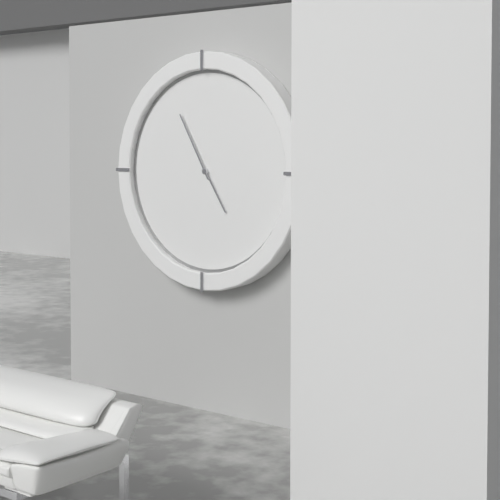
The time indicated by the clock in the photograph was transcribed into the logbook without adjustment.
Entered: 4:55
